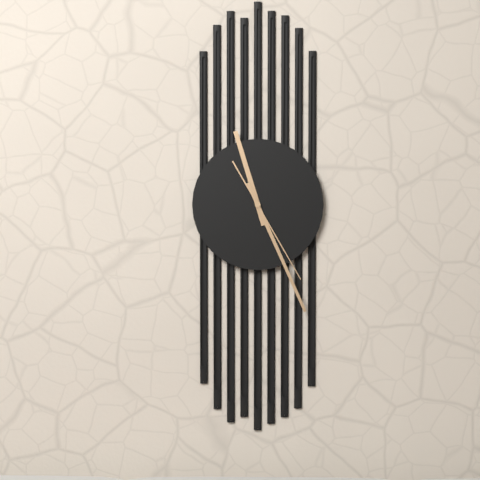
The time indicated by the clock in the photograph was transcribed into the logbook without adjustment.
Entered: 11:26:25
